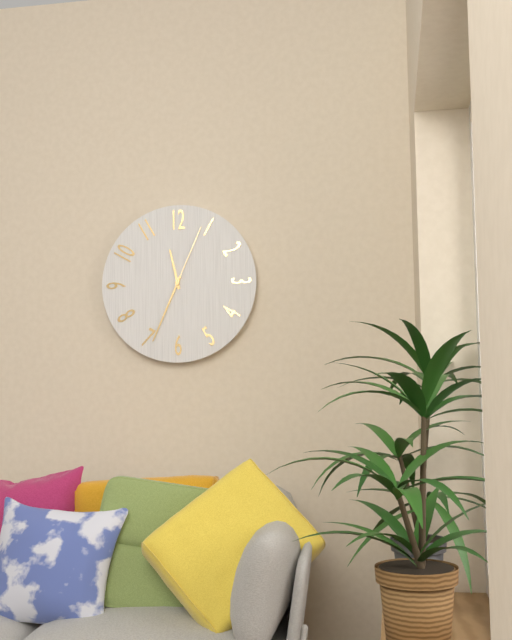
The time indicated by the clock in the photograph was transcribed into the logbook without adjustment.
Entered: 11:34:04
